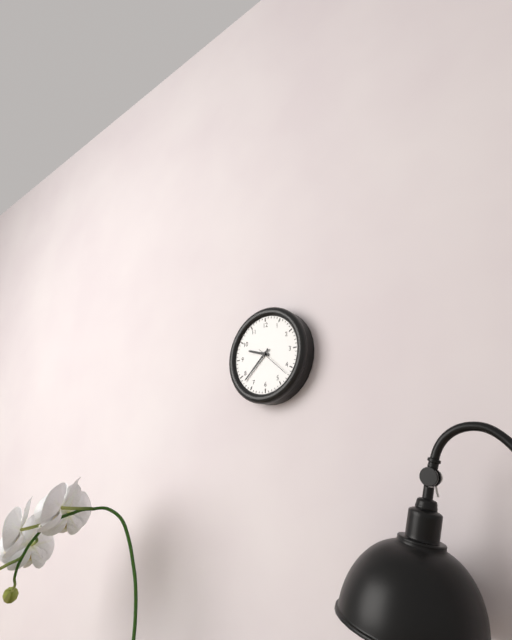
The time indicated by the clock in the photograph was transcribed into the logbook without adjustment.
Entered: 9:38
